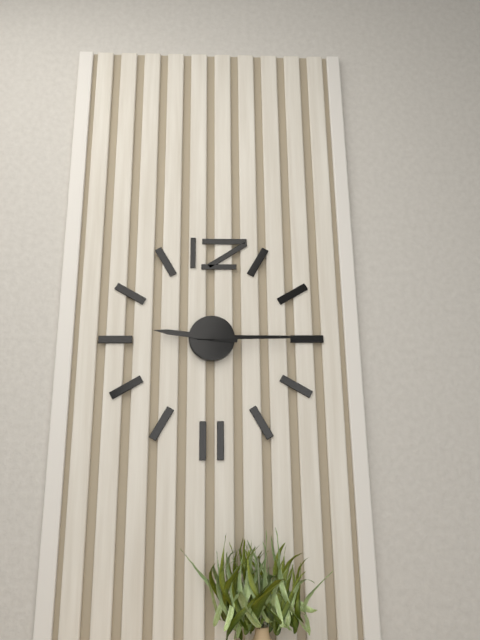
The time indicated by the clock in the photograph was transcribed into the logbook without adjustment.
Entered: 9:15
